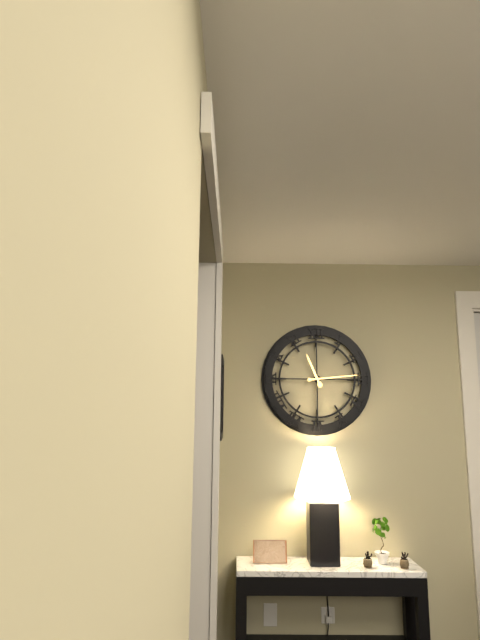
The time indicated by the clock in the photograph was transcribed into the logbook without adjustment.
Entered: 11:14
